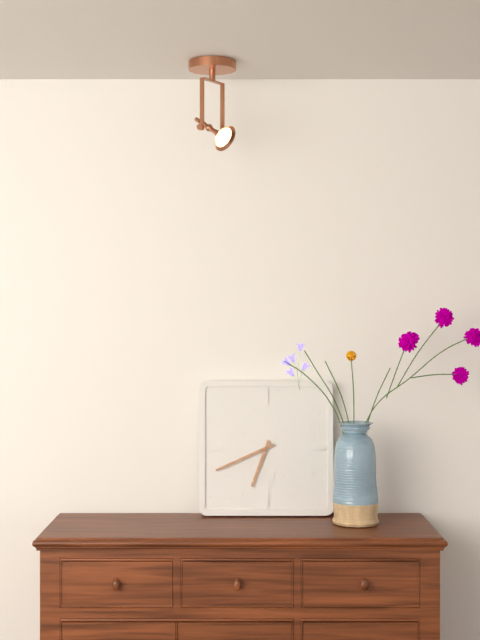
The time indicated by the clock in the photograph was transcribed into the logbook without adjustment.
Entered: 6:41
